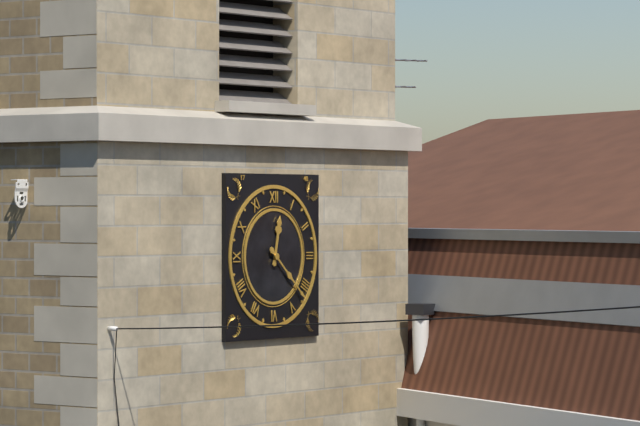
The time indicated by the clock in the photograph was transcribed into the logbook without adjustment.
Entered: 12:22
